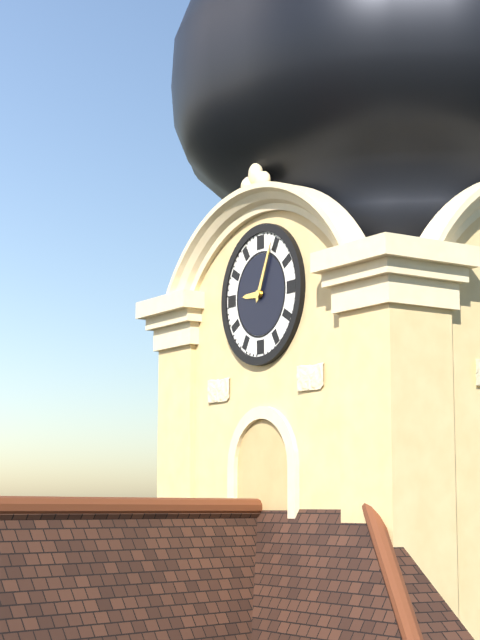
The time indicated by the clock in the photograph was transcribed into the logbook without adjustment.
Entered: 9:04
